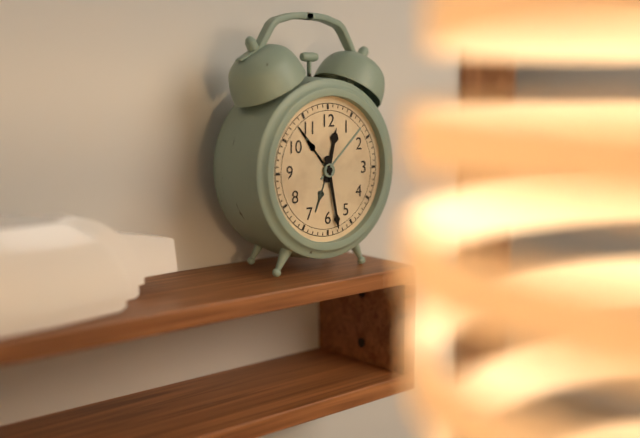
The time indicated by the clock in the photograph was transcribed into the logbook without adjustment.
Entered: 12:28
